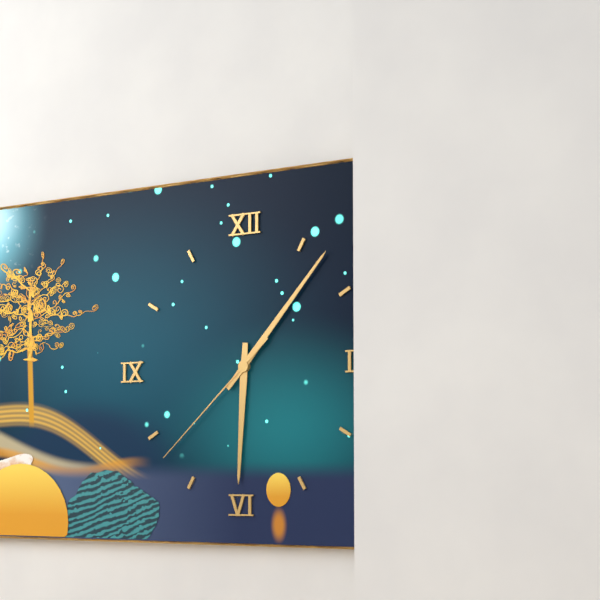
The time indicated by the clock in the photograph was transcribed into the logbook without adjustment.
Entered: 6:07:38
